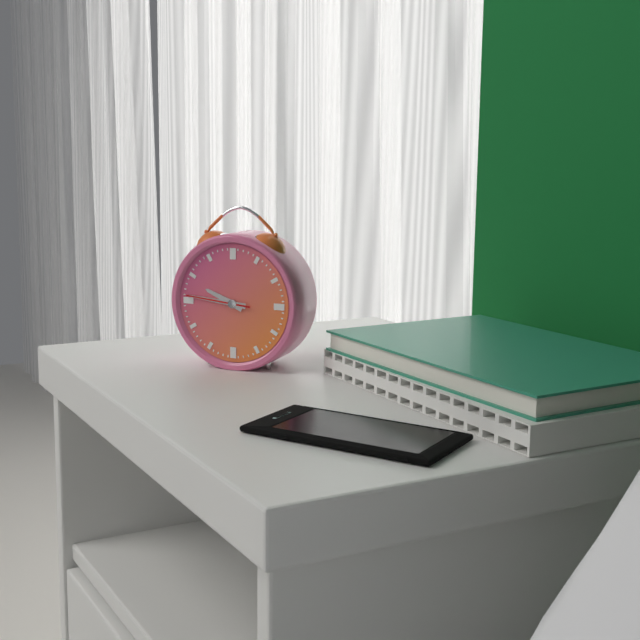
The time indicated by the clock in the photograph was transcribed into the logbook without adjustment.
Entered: 9:46:46
